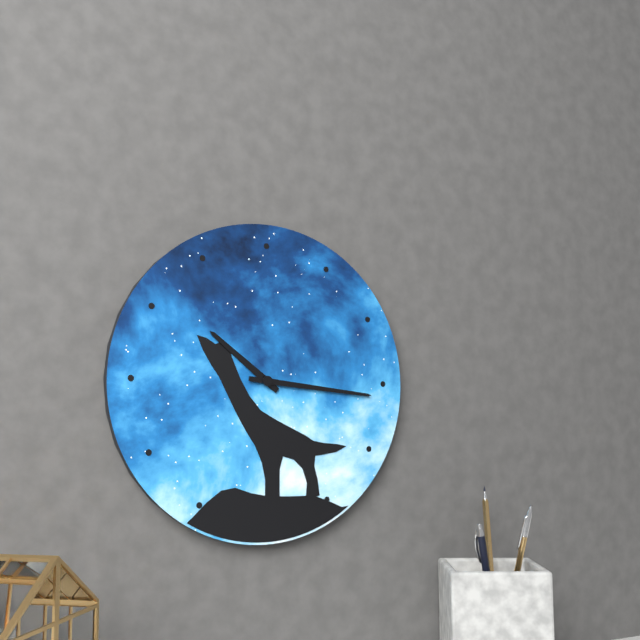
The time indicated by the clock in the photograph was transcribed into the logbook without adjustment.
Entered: 10:16
